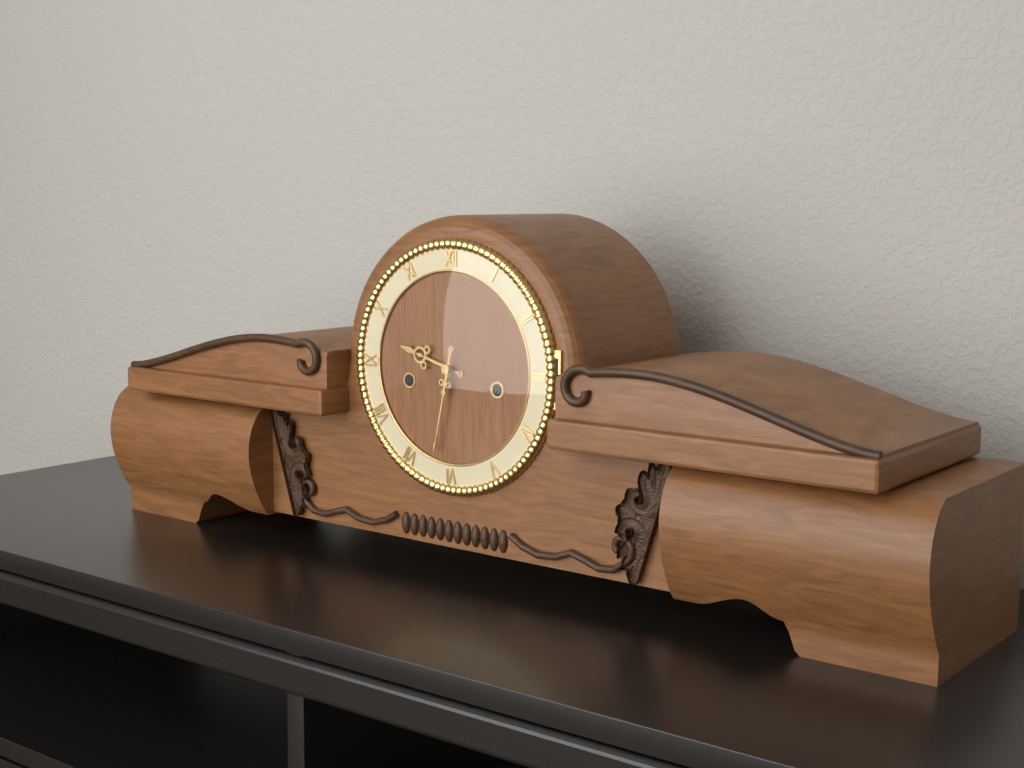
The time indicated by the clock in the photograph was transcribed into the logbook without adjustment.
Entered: 9:32
